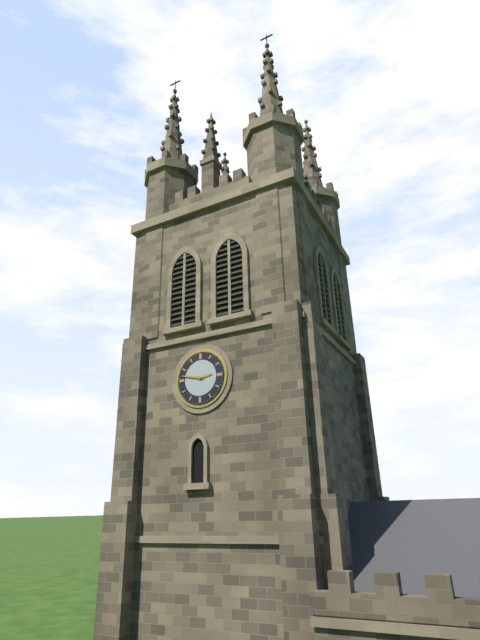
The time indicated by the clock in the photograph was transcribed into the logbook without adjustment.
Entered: 2:47
